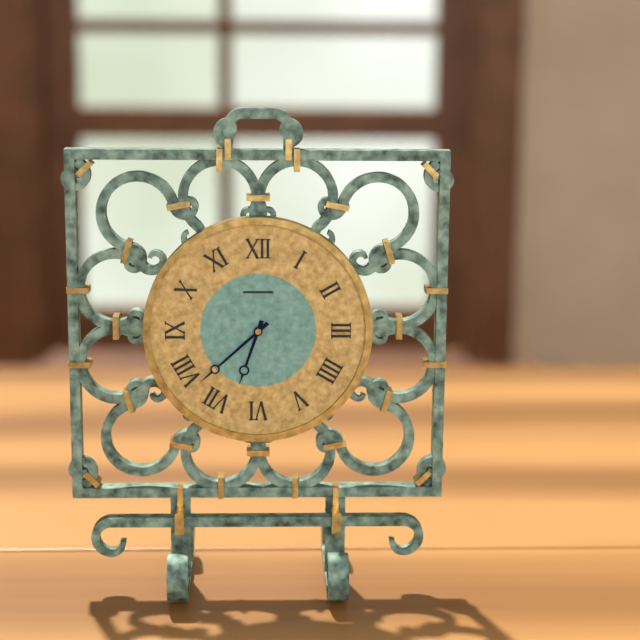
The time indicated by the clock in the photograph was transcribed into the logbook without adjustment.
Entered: 6:38
